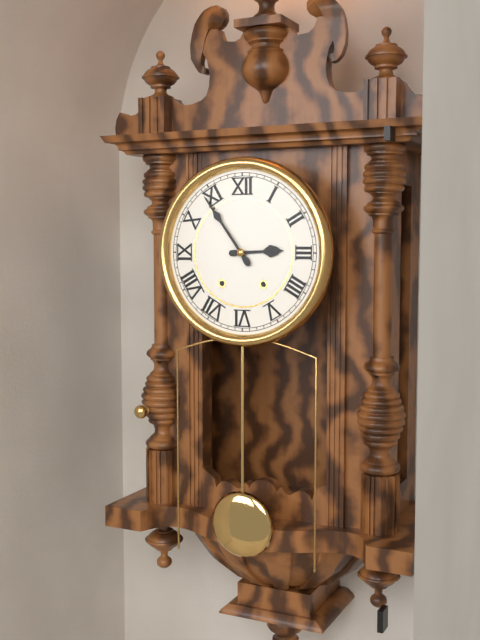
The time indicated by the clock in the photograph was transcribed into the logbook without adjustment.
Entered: 2:54
